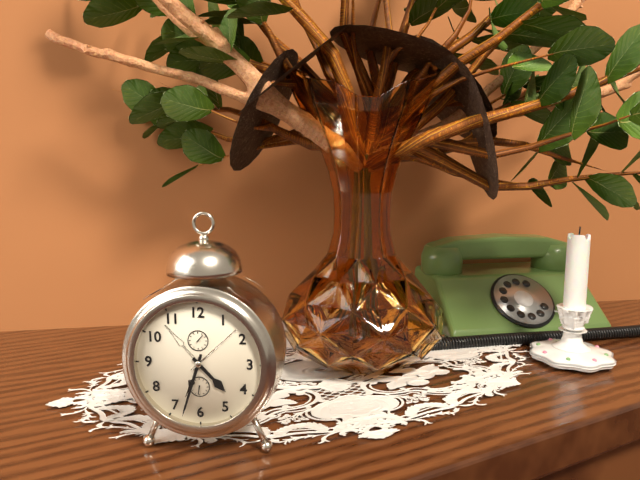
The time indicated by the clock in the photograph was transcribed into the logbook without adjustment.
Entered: 4:33
